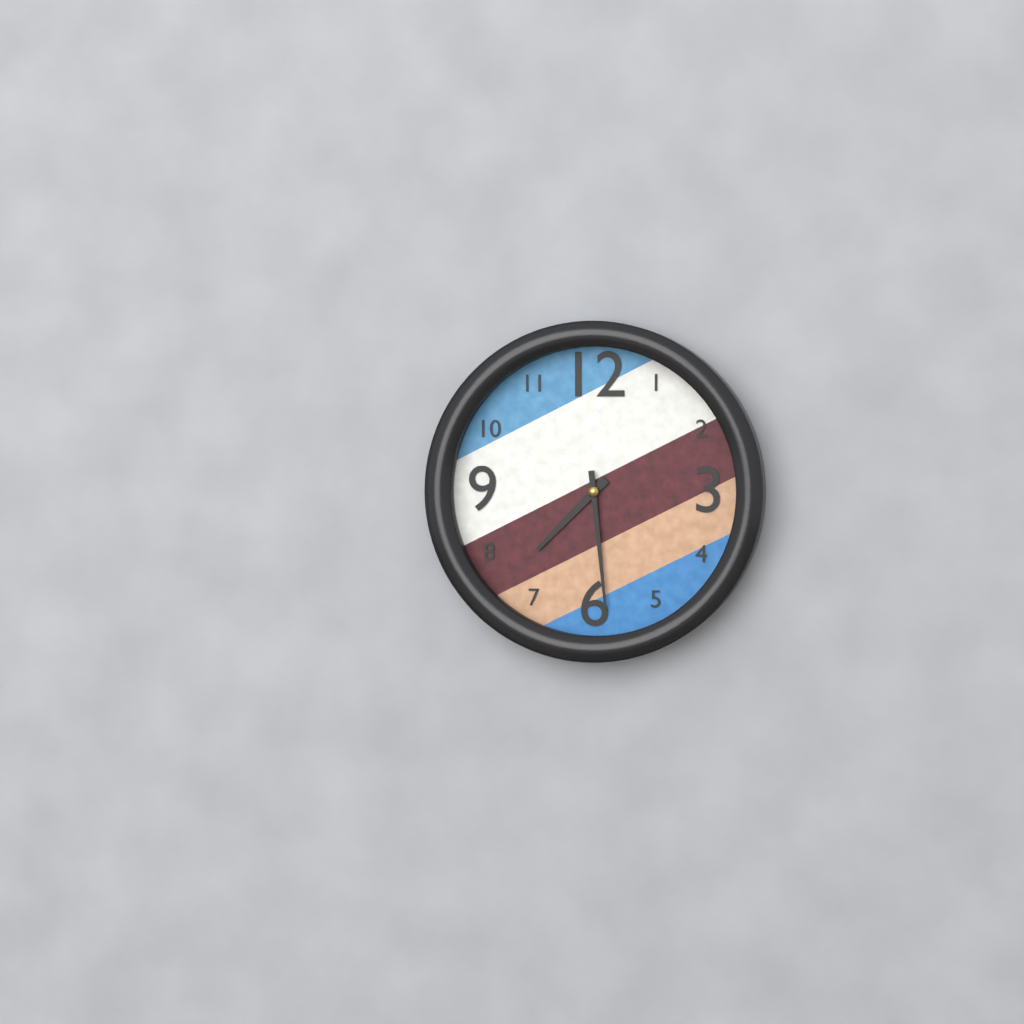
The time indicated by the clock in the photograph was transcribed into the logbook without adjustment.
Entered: 7:29
